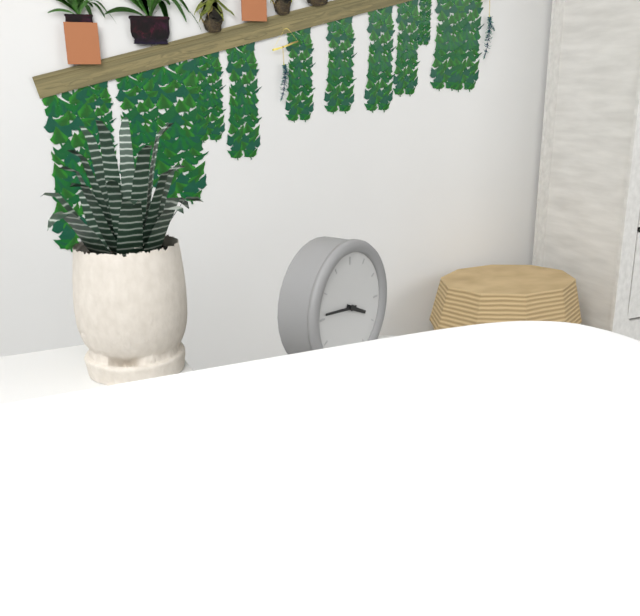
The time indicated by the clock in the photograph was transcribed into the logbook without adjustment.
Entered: 3:46
